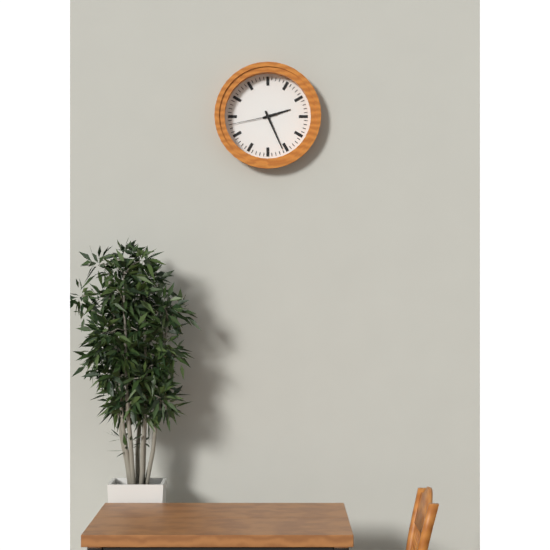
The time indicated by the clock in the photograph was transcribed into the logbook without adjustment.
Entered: 2:26
